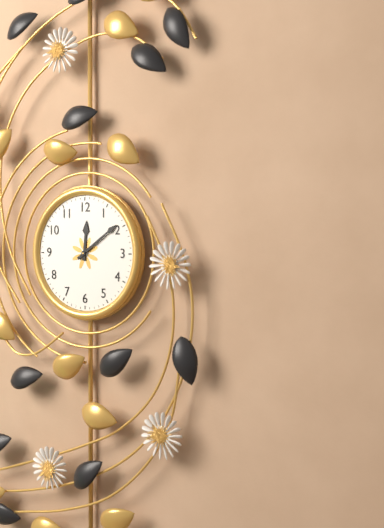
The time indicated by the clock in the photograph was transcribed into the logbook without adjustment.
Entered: 12:09
